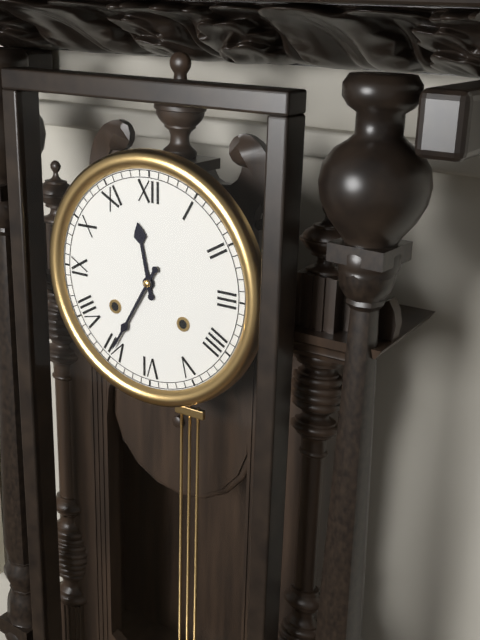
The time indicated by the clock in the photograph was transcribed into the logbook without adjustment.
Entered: 11:35
